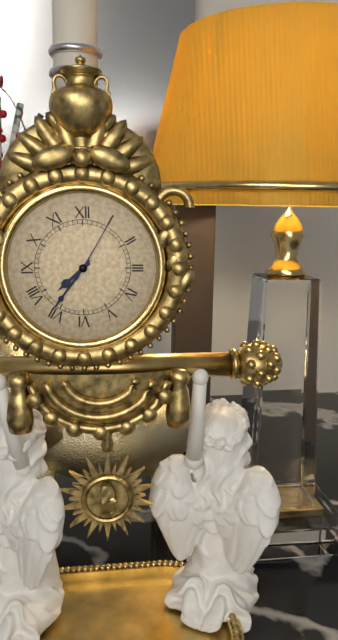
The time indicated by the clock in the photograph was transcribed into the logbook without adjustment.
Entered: 7:36:05
